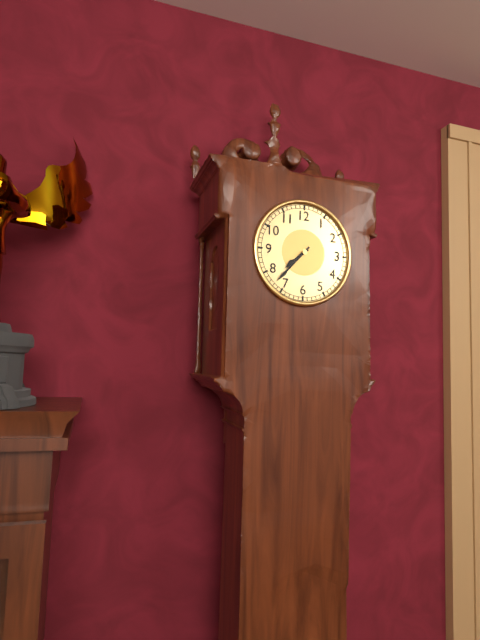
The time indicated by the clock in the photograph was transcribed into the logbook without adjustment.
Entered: 7:37
